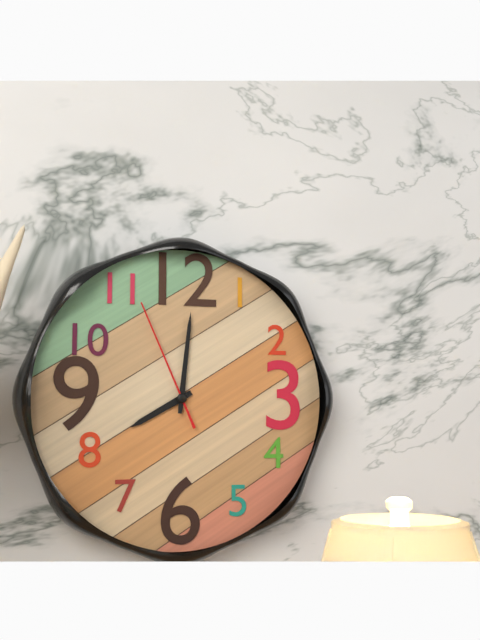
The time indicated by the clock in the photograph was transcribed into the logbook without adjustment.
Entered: 8:01:56
